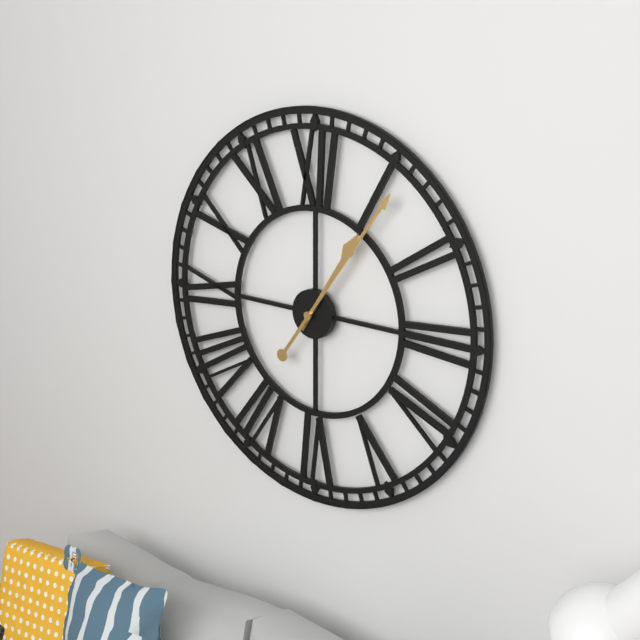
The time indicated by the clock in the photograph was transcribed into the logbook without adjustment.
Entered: 1:06
